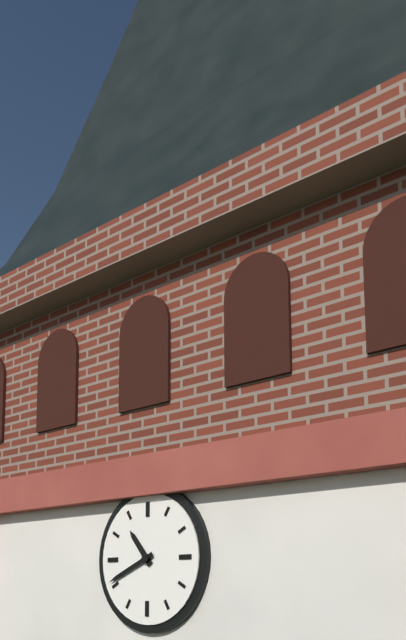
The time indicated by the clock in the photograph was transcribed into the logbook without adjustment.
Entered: 10:41
